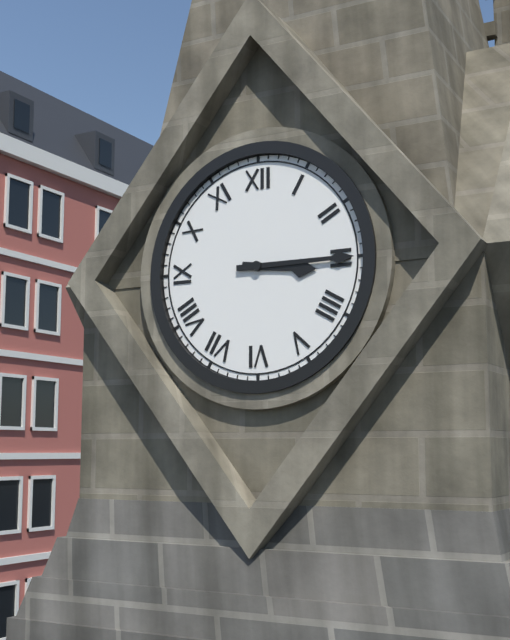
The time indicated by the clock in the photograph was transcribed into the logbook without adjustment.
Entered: 3:15
